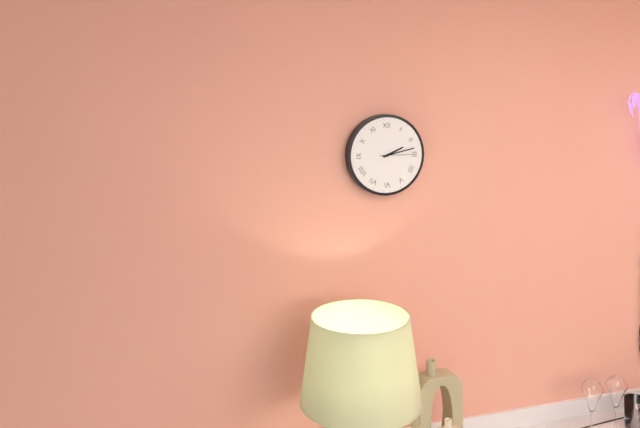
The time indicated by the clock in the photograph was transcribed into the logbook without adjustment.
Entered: 2:13
